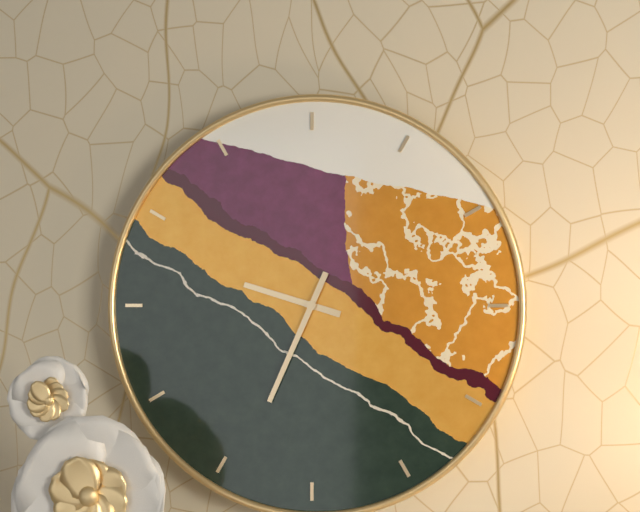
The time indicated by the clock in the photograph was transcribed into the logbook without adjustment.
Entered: 9:34
